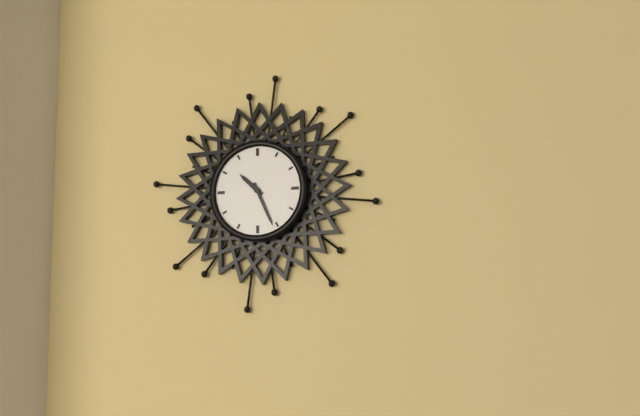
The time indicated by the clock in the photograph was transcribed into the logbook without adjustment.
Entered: 10:26
